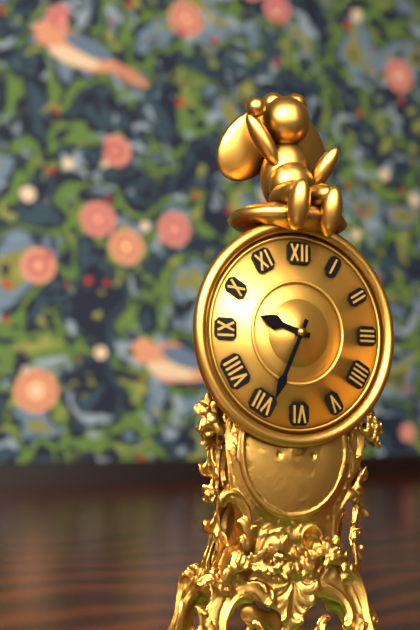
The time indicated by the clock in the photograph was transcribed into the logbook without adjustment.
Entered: 9:34
